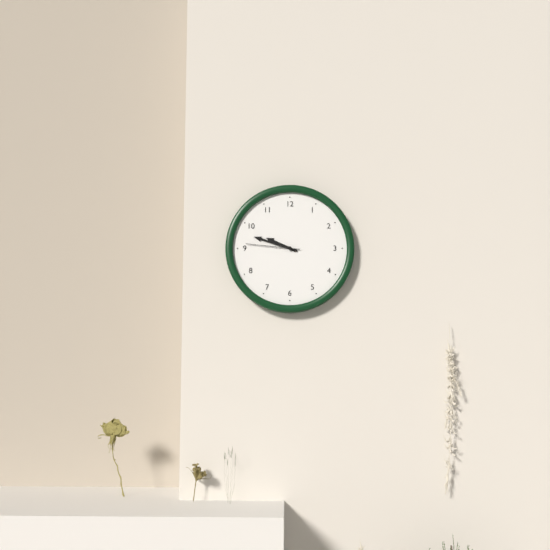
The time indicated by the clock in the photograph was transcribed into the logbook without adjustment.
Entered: 9:48:46
